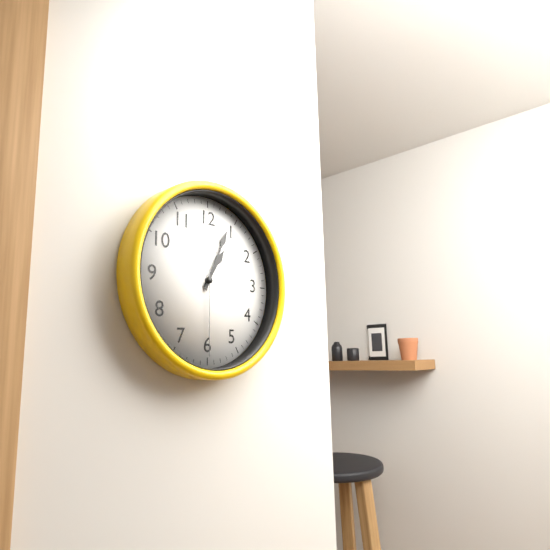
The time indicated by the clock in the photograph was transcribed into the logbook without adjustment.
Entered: 1:04:30
